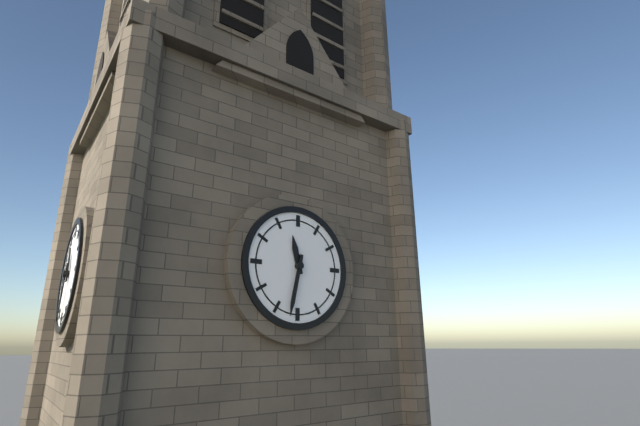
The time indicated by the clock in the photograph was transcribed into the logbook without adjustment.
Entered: 11:32
